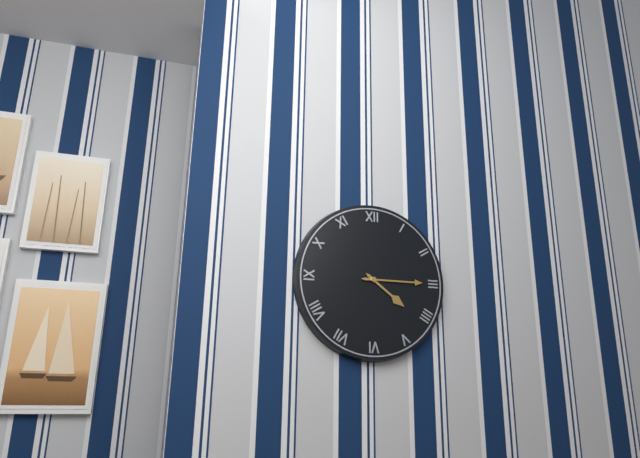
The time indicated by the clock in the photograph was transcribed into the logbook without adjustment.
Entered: 4:15
